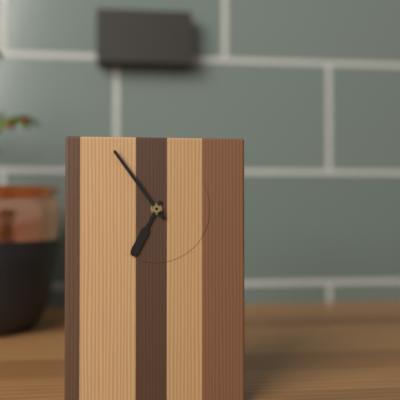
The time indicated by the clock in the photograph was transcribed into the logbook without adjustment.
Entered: 6:54
